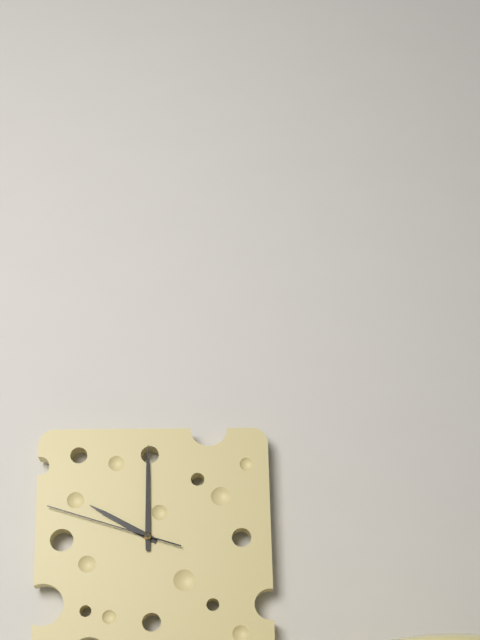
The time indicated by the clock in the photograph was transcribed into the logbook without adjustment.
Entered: 10:00:48
